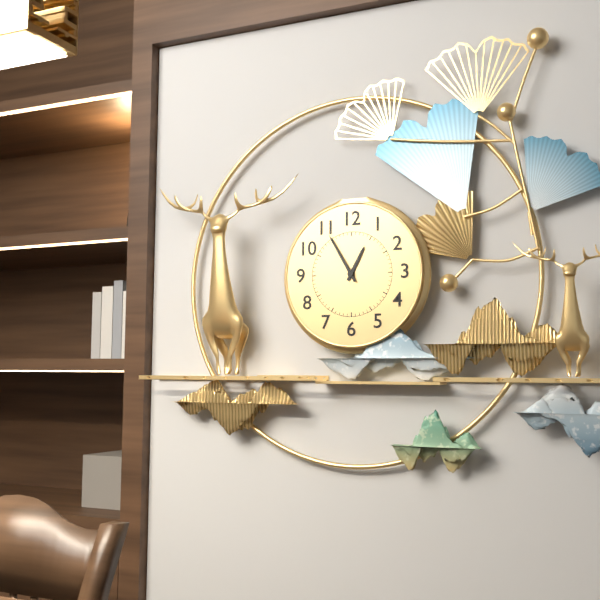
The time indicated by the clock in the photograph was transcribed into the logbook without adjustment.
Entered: 12:55
